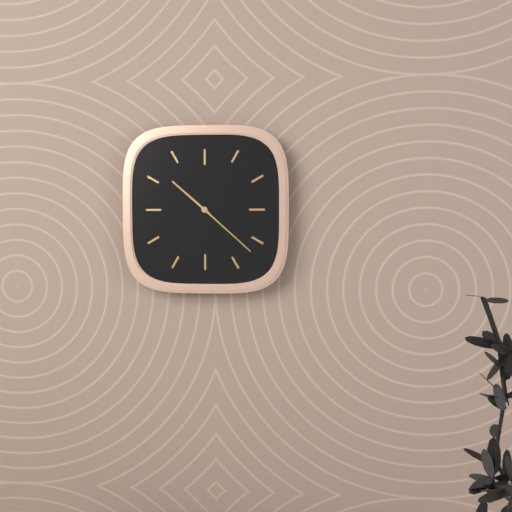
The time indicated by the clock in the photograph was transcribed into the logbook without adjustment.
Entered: 10:22
